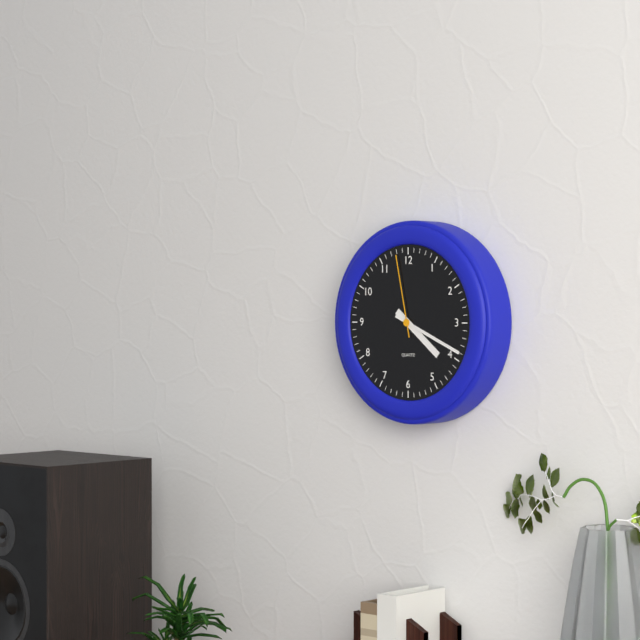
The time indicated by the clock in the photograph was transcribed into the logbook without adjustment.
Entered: 4:19:58
